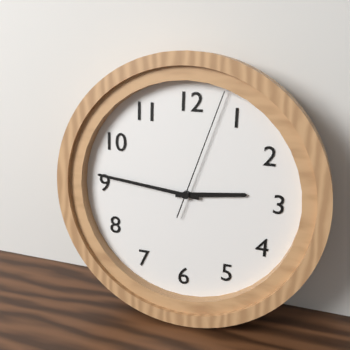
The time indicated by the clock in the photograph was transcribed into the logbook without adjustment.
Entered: 2:46:03
